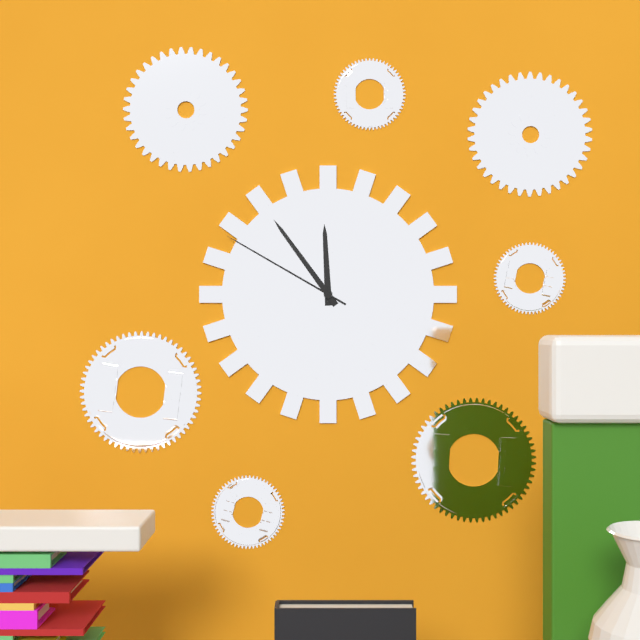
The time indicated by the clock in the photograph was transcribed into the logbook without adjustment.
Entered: 11:54:50
